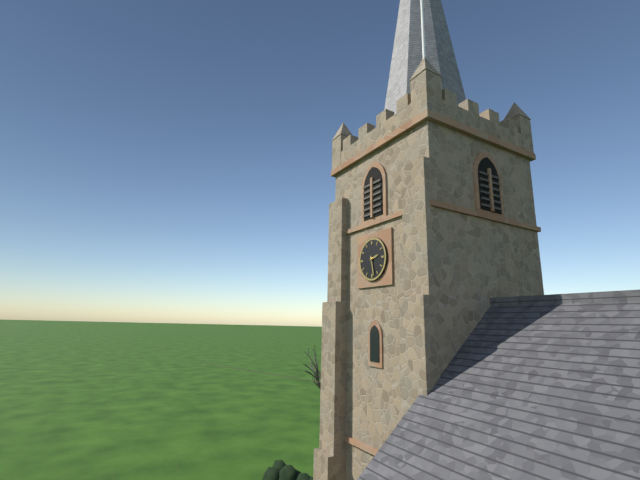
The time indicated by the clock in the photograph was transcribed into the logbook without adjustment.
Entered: 2:28
